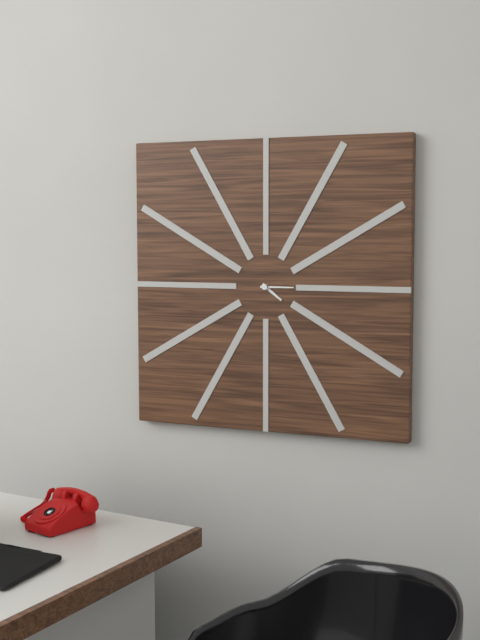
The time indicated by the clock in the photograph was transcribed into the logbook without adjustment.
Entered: 4:15
